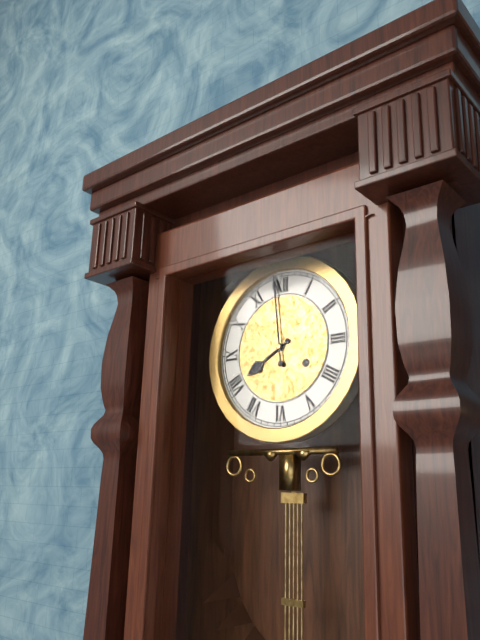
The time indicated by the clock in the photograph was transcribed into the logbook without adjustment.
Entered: 7:59
